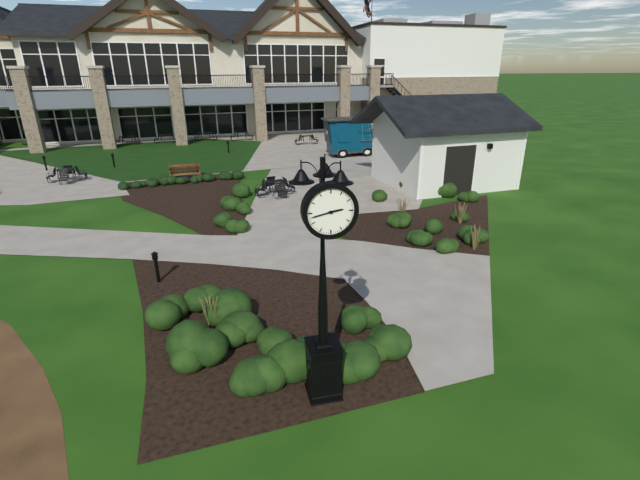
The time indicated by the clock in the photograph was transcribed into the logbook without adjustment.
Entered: 2:43
